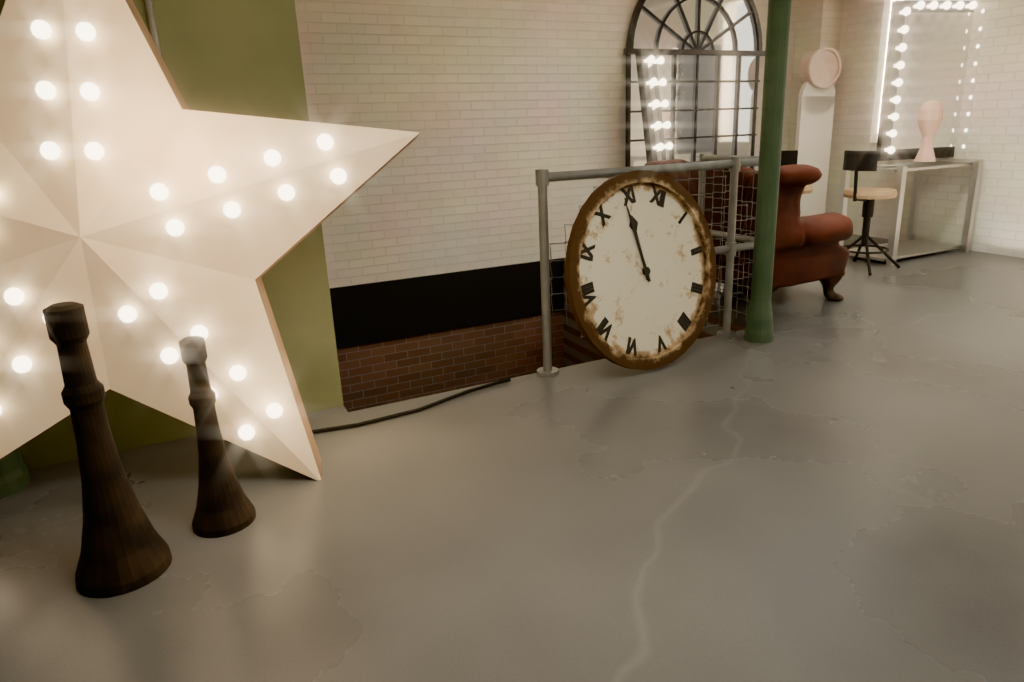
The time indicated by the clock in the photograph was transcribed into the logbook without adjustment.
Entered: 10:54
